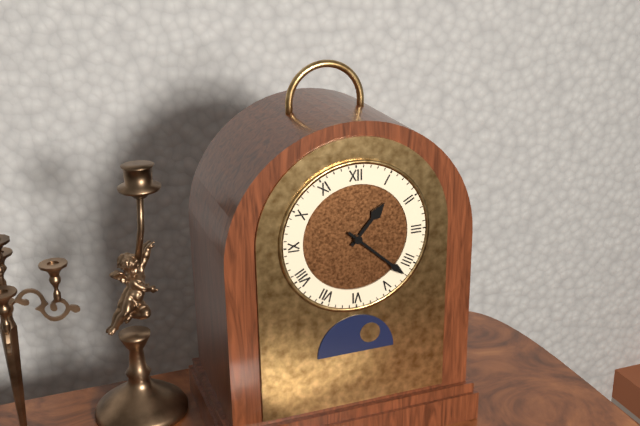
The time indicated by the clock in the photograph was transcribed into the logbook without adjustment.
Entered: 1:22
